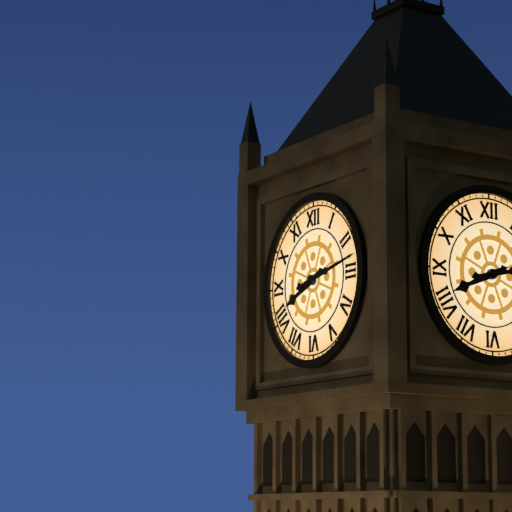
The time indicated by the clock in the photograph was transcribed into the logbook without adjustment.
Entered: 8:13
